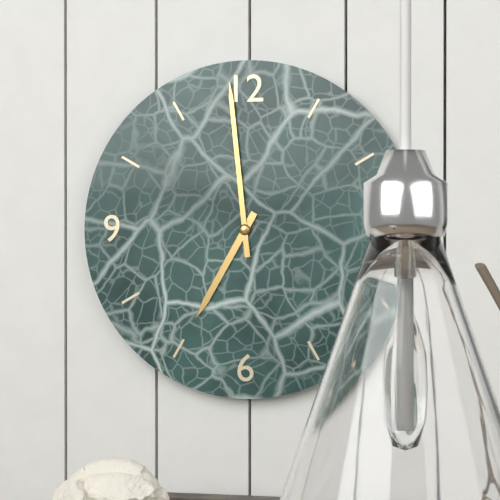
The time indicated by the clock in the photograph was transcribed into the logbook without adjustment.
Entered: 6:59
